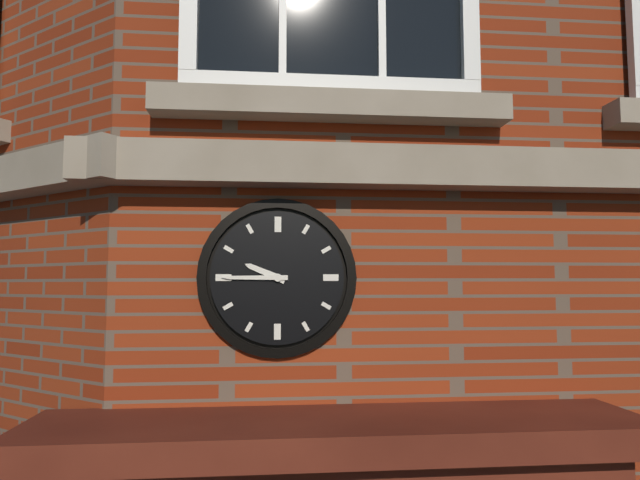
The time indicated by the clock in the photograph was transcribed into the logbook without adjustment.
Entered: 9:45
